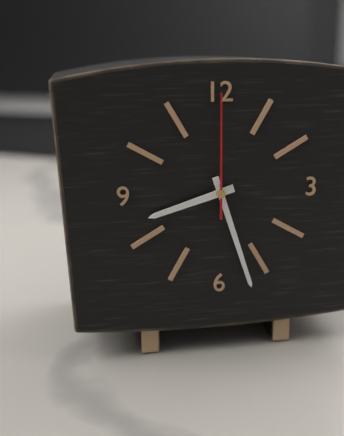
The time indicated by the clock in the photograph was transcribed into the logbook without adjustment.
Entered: 8:27:00
